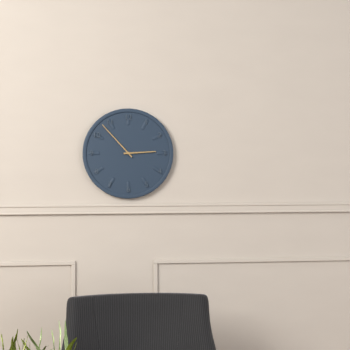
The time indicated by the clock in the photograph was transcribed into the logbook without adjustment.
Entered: 2:53
